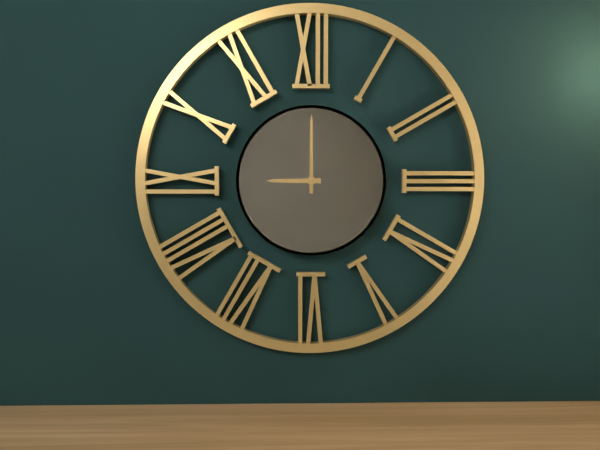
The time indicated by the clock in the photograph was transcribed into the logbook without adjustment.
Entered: 9:00
